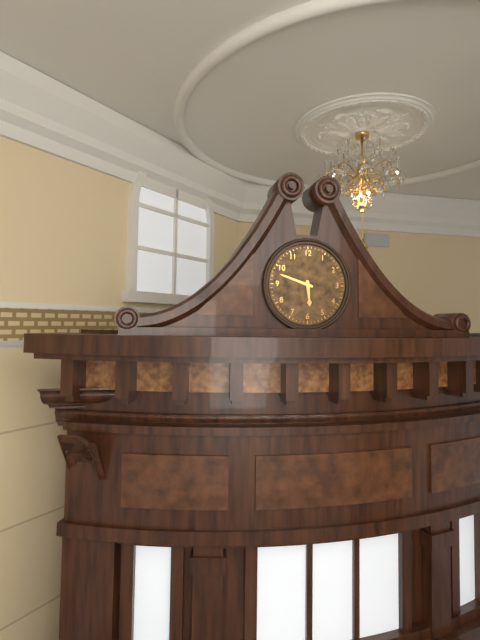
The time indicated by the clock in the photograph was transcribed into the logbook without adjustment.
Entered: 5:48
